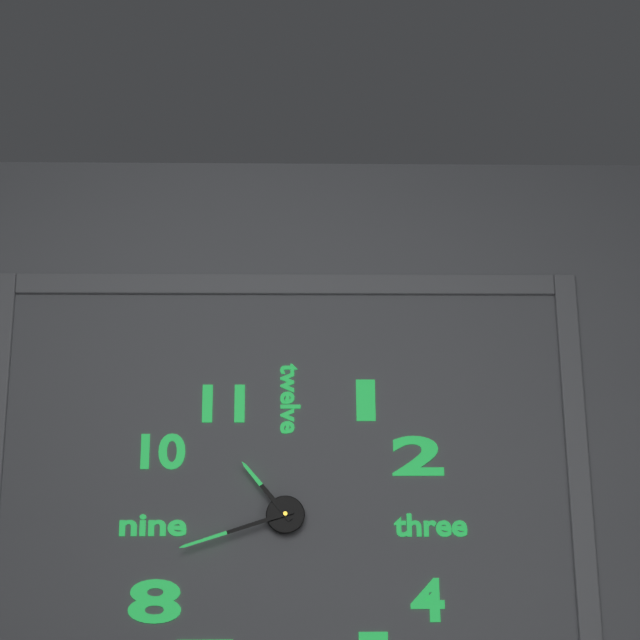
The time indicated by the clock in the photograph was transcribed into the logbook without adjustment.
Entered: 10:42
